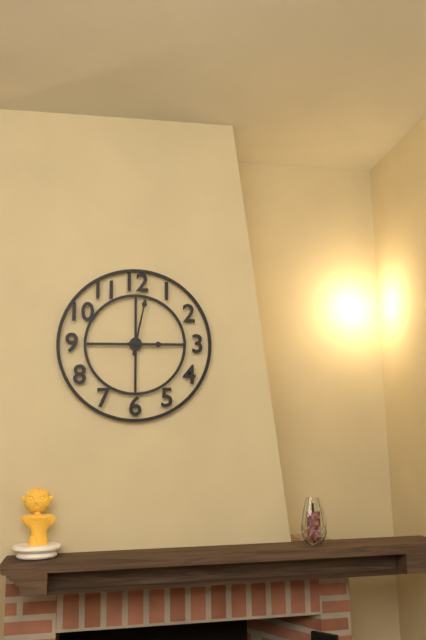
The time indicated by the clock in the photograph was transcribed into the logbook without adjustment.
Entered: 3:02
